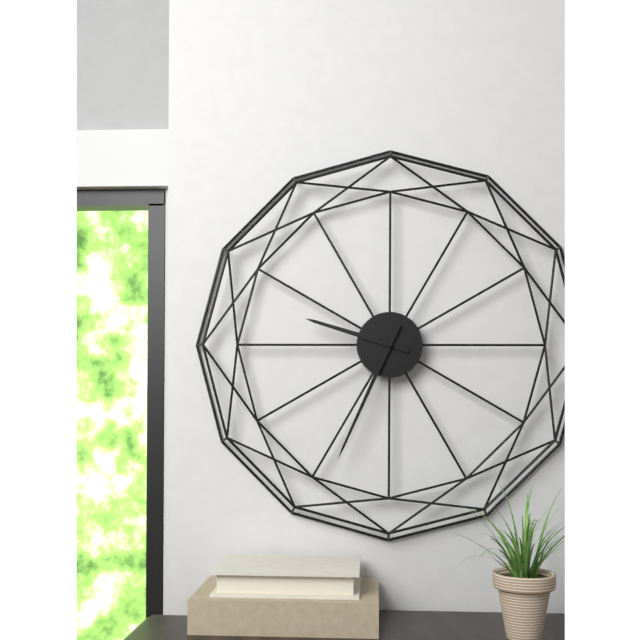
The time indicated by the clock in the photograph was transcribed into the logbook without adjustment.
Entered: 9:34
